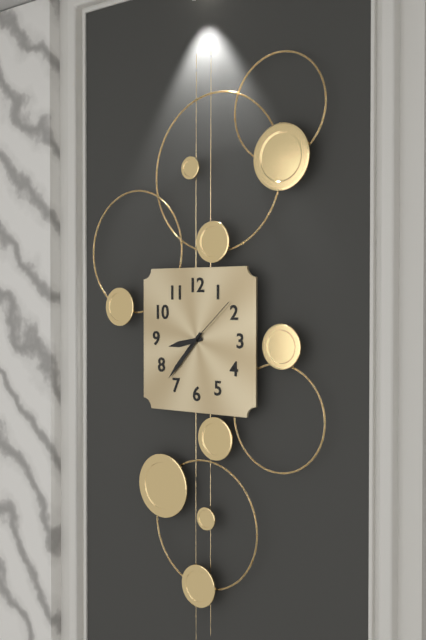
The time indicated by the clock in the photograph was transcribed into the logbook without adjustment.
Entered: 8:37:08
